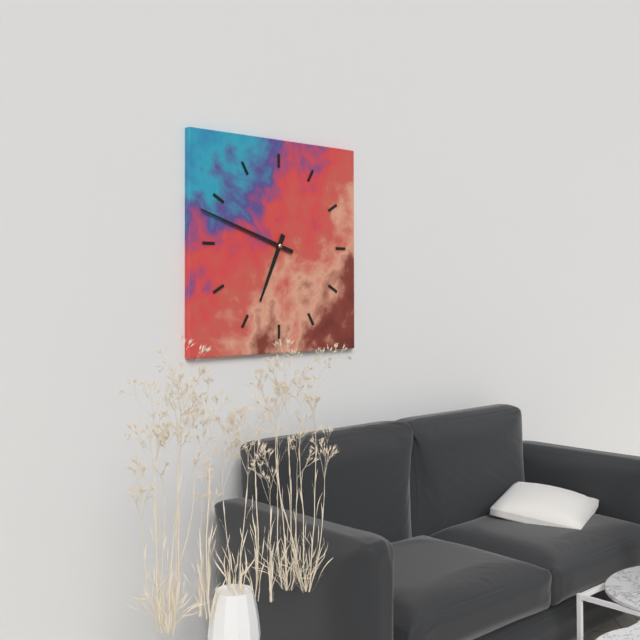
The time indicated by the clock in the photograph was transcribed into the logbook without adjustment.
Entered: 6:48
